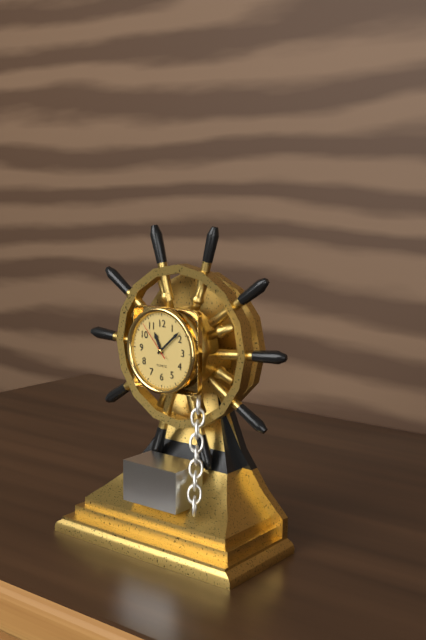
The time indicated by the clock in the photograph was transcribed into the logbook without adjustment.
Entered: 11:08
